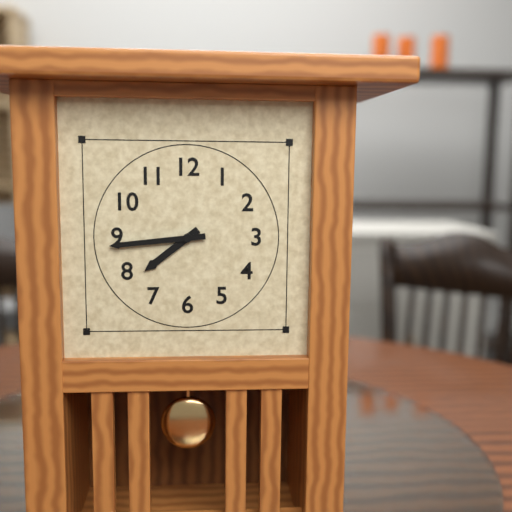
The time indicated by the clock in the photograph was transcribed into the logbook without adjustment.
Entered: 7:44
